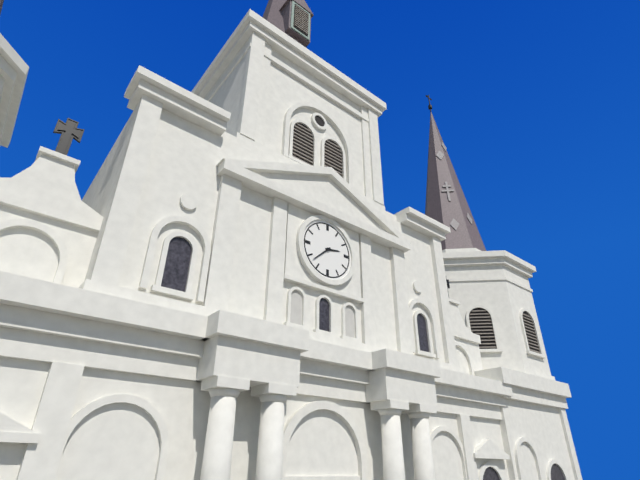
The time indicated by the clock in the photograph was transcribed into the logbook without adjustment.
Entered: 2:38
